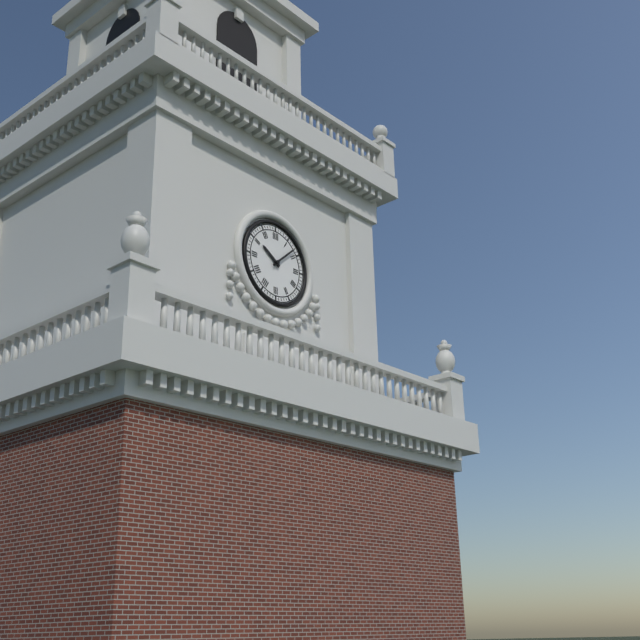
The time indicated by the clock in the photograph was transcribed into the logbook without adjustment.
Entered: 10:08
